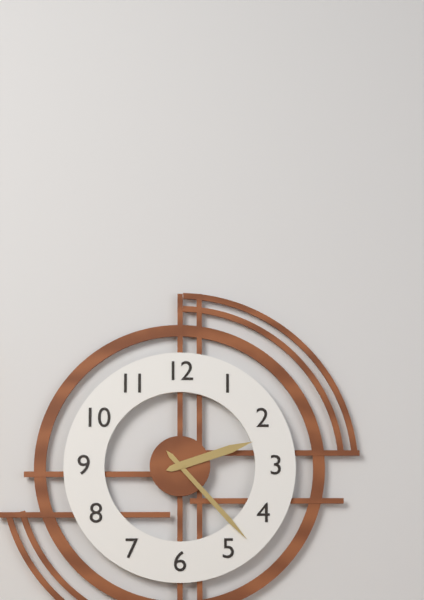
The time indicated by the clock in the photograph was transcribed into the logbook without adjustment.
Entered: 2:23
